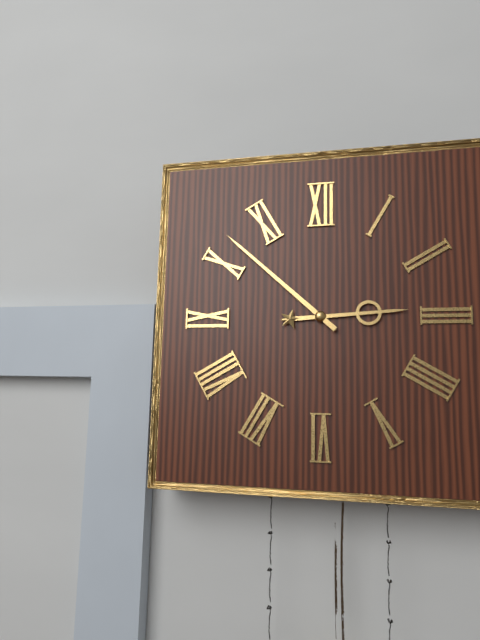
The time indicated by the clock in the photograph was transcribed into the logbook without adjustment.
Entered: 2:52
